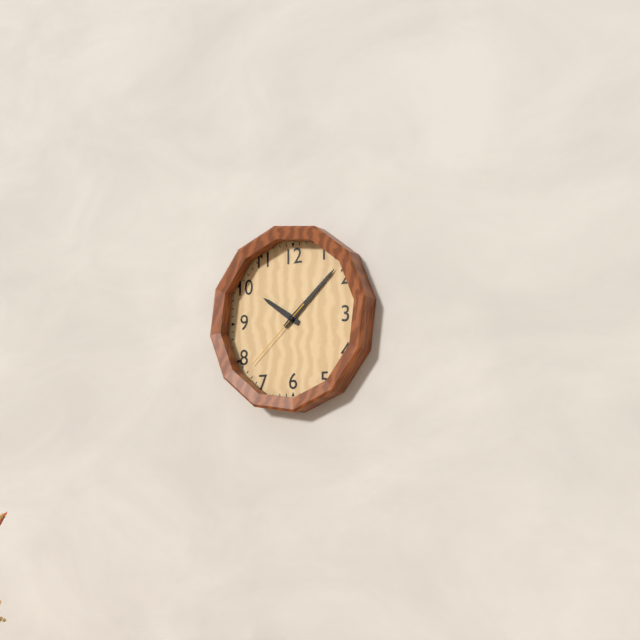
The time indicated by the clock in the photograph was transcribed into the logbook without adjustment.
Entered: 10:08:38
